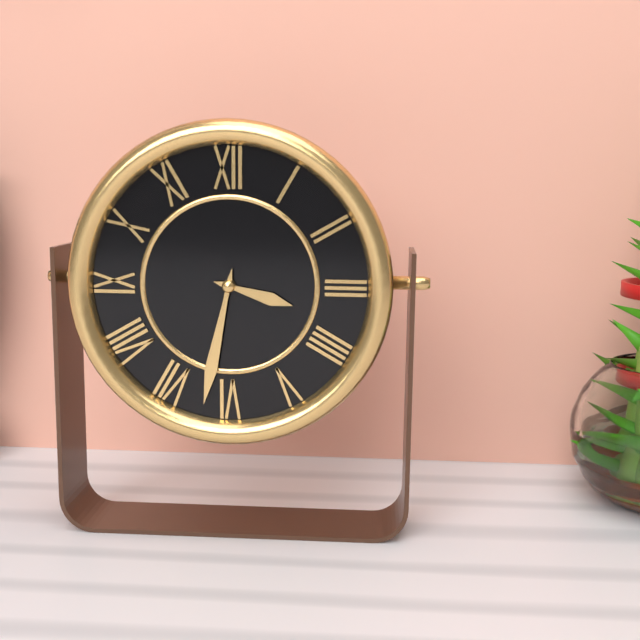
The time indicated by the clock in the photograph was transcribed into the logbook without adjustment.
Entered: 3:32
